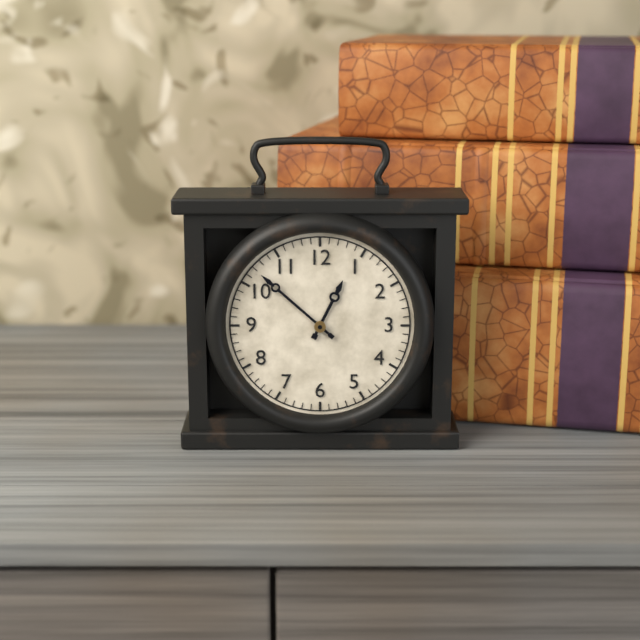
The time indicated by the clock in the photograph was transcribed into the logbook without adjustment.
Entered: 12:52
